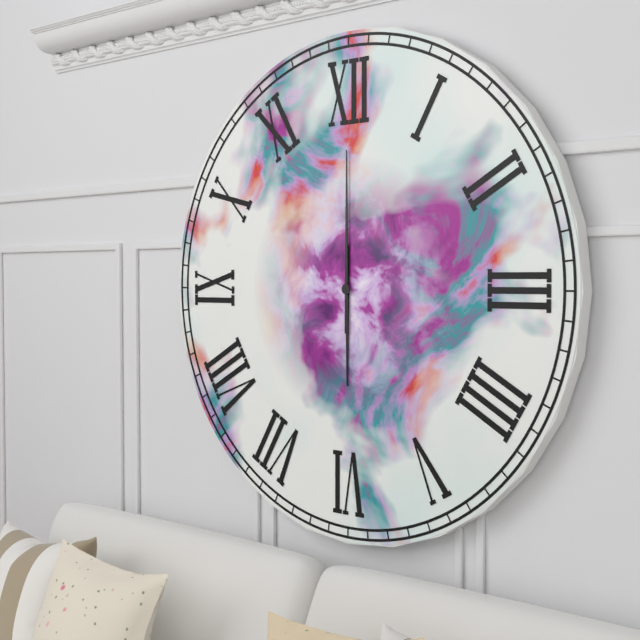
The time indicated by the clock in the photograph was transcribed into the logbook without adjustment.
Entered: 6:00
